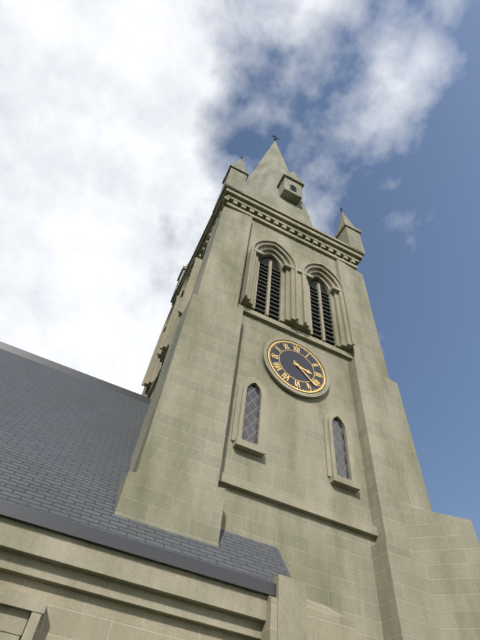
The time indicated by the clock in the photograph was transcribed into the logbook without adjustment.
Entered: 3:22
